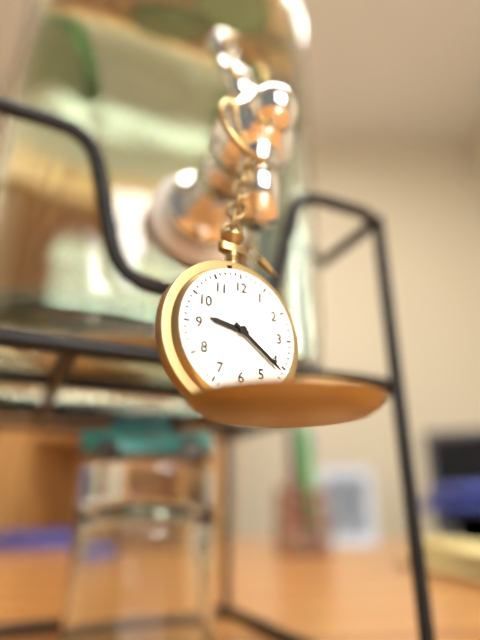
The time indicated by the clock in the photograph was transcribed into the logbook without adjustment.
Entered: 9:21
